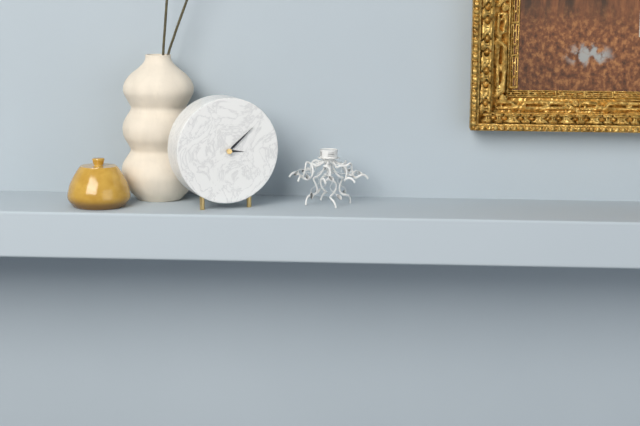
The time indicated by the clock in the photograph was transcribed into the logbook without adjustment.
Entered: 3:08
